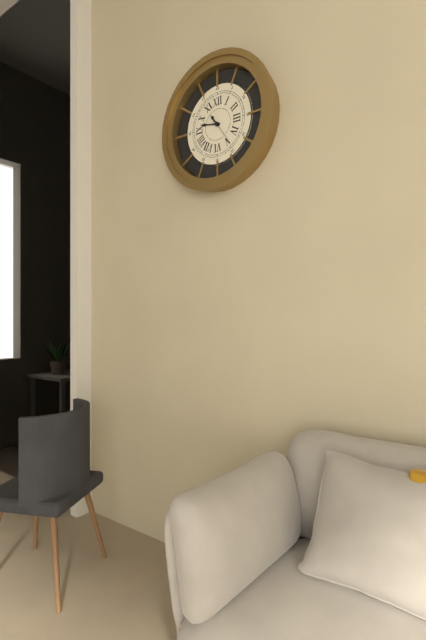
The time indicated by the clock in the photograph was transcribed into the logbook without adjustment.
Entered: 10:47
